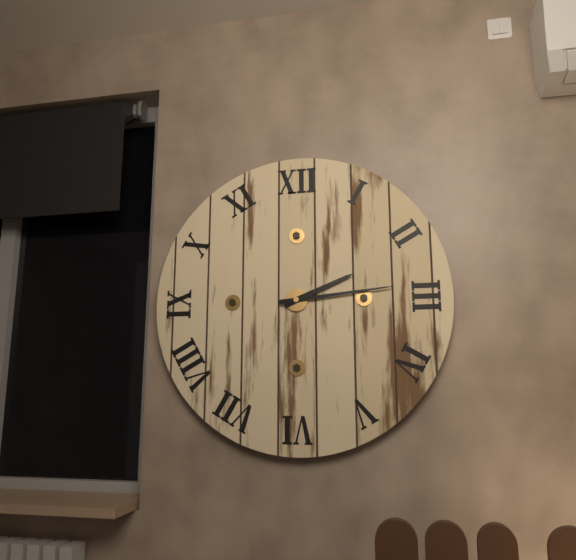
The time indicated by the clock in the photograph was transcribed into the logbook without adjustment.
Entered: 2:14
